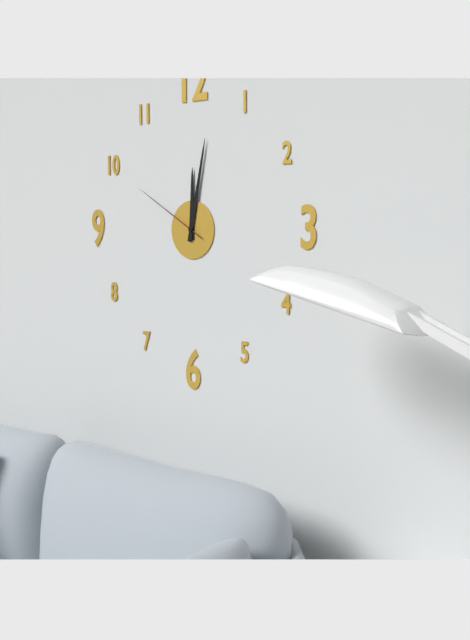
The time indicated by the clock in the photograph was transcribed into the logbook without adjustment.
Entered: 12:02:50
